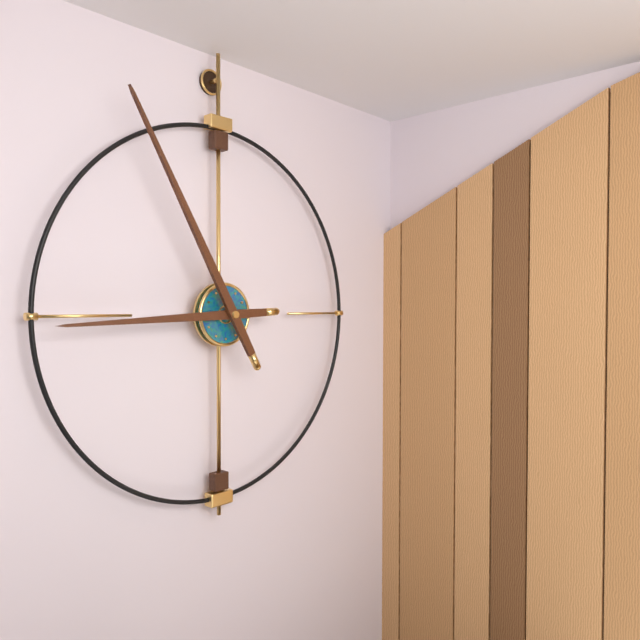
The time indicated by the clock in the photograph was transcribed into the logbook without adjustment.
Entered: 8:55
